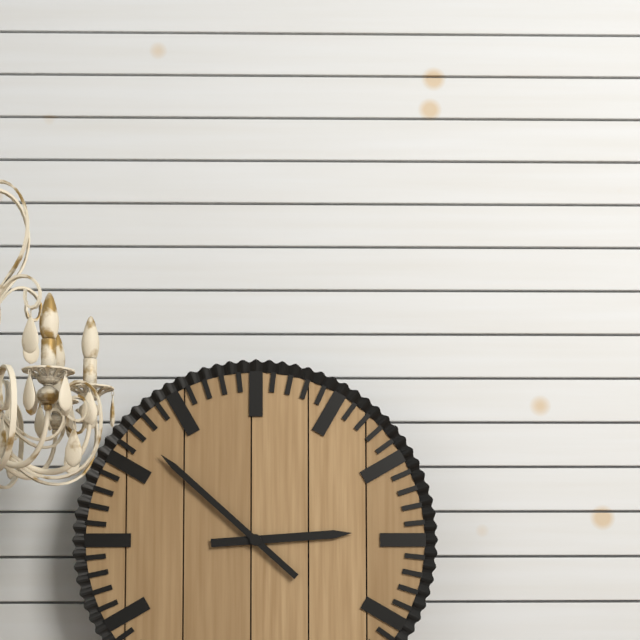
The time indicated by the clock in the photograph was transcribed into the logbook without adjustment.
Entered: 2:52
